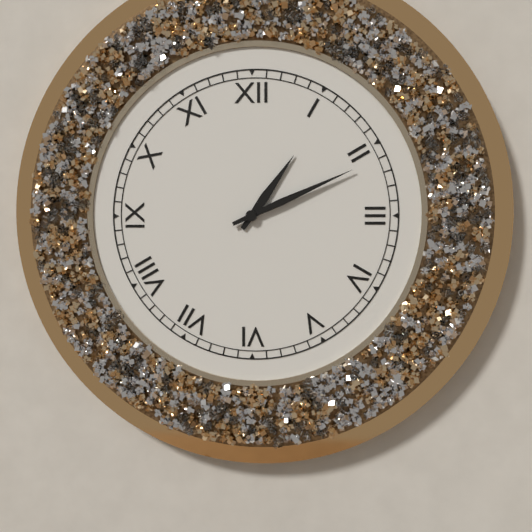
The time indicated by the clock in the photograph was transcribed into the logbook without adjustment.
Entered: 1:11
